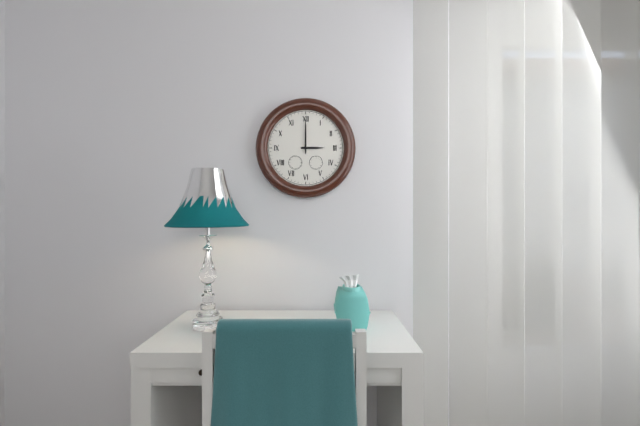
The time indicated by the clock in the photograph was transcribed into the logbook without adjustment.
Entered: 3:00
